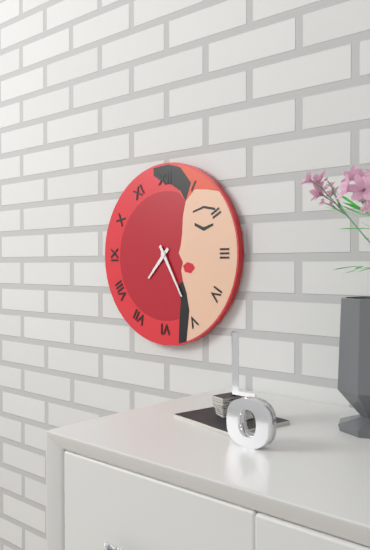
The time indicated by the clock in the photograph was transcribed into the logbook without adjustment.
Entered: 7:25
